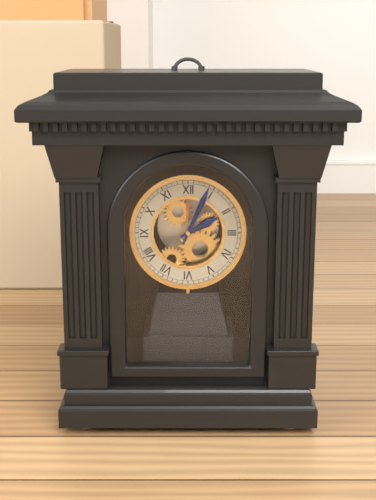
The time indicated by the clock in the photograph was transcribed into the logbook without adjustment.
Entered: 2:04
